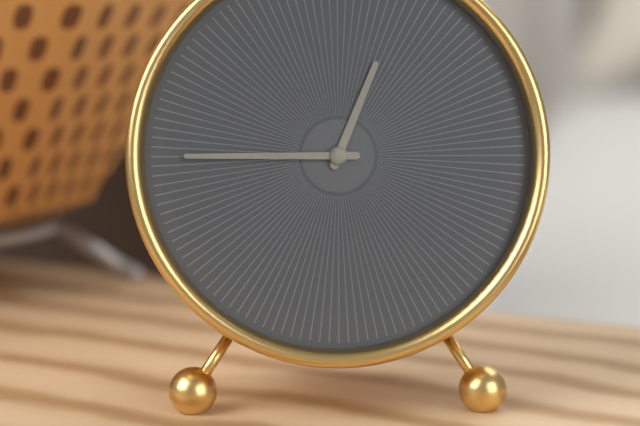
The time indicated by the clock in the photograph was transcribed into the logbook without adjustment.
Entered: 12:45
